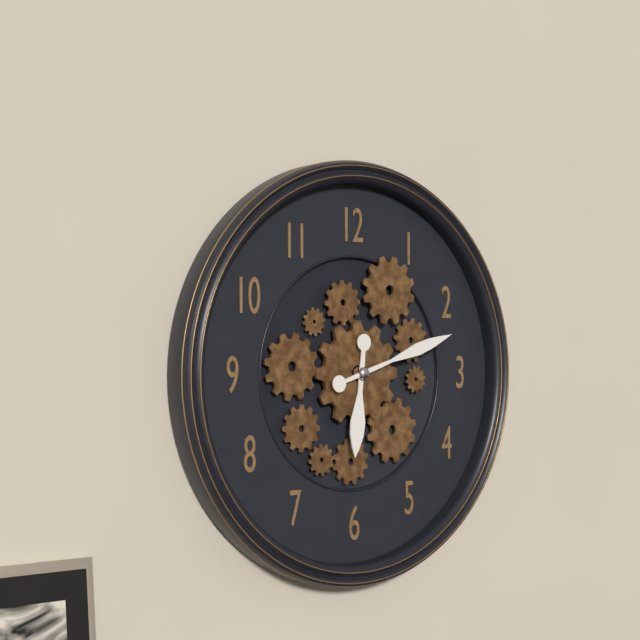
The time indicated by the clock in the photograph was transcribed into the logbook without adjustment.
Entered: 6:12
